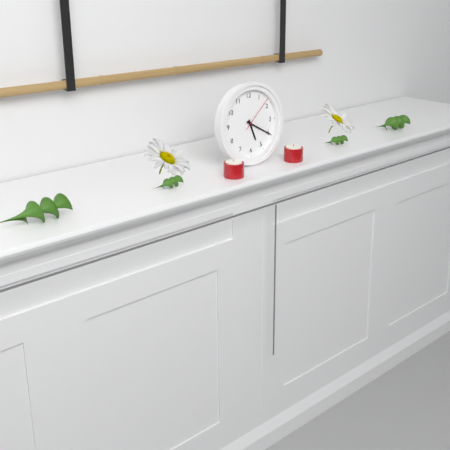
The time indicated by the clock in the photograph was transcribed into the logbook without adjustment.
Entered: 5:20
